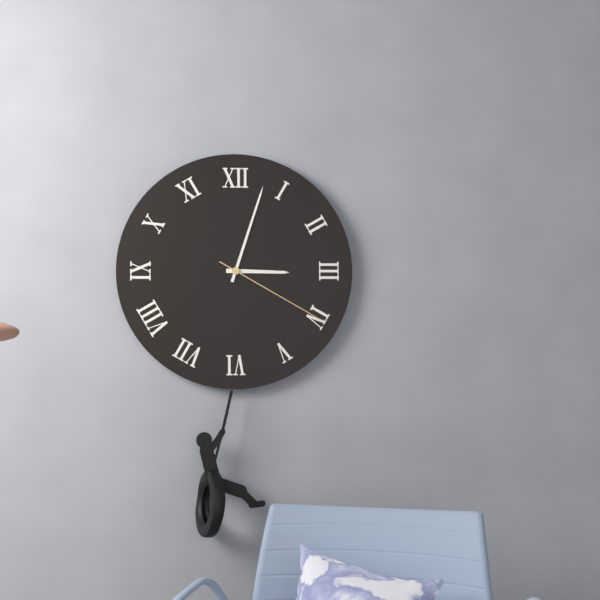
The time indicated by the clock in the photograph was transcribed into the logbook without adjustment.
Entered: 3:03:20
